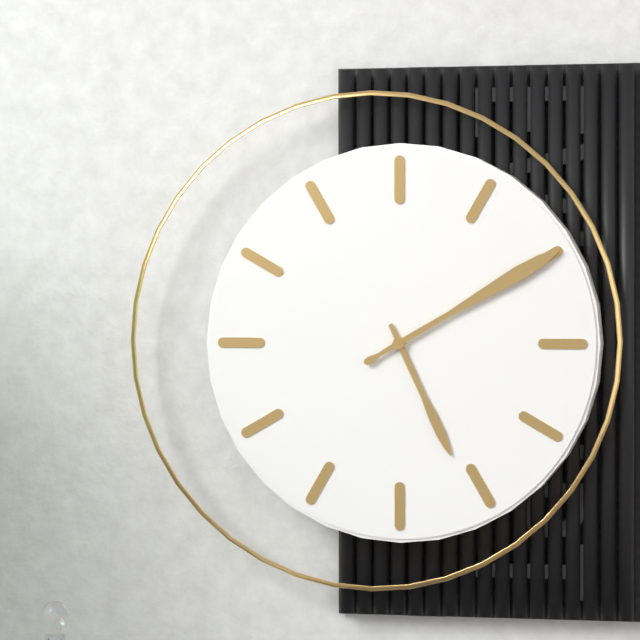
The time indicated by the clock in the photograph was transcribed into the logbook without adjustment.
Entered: 5:10
